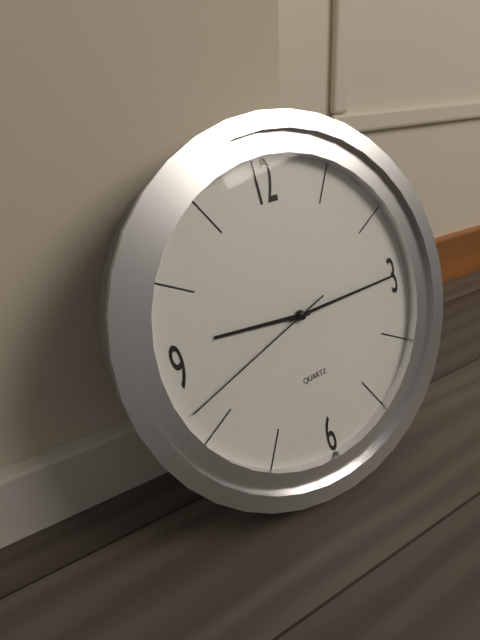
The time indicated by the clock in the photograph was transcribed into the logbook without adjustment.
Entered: 9:15:42
